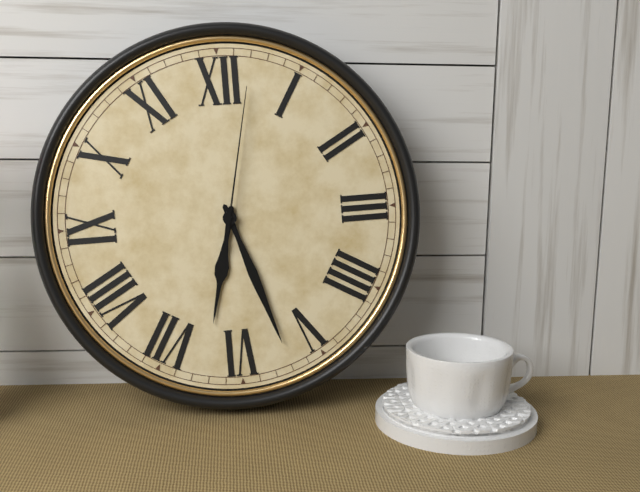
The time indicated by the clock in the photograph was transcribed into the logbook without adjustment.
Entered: 6:27:02
